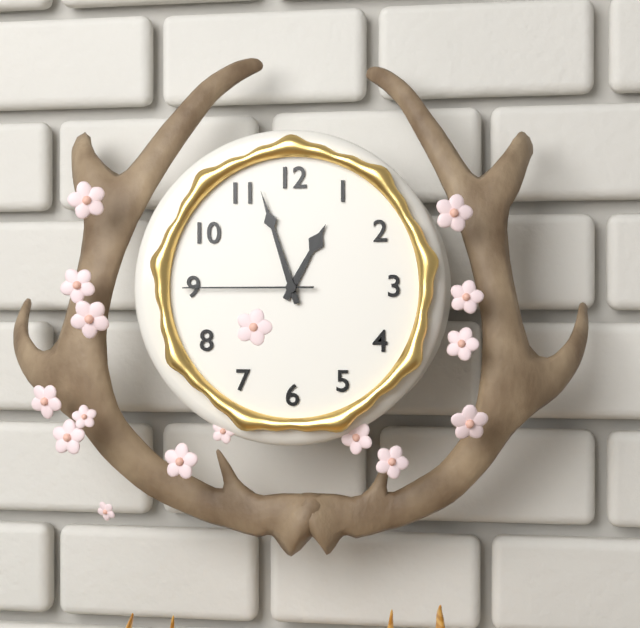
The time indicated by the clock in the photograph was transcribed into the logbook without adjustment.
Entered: 12:57:45
